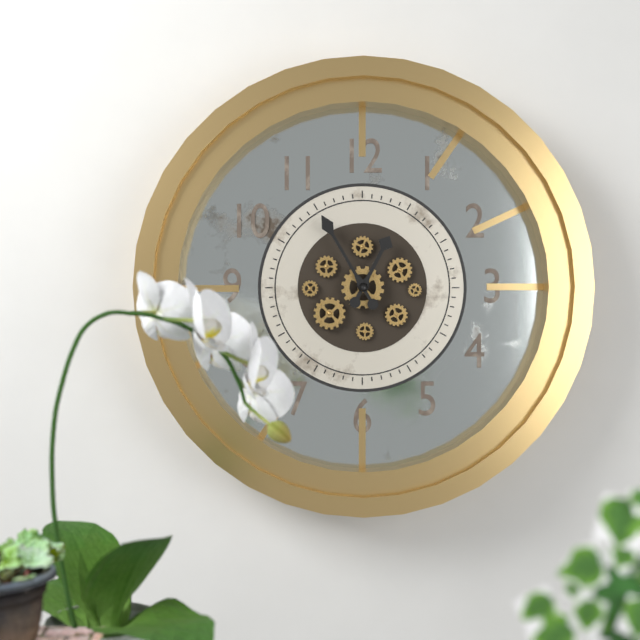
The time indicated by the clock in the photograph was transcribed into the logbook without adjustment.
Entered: 12:55
